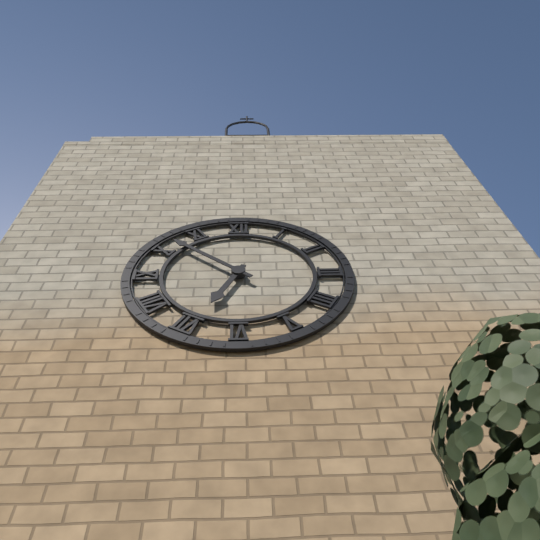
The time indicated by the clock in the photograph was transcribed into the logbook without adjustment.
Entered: 6:52
